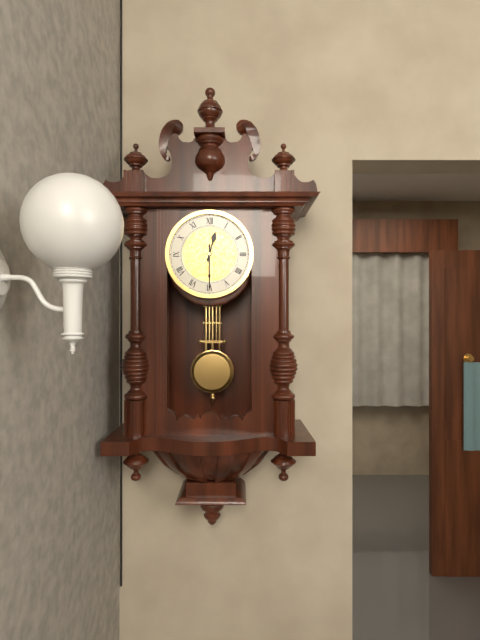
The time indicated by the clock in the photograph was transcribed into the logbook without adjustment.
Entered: 12:30
